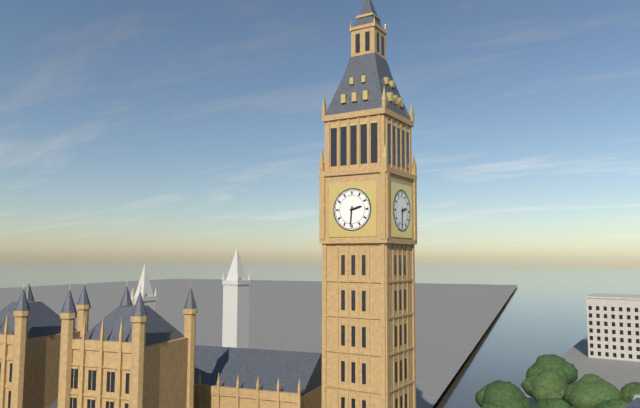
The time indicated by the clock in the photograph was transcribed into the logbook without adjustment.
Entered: 2:31
